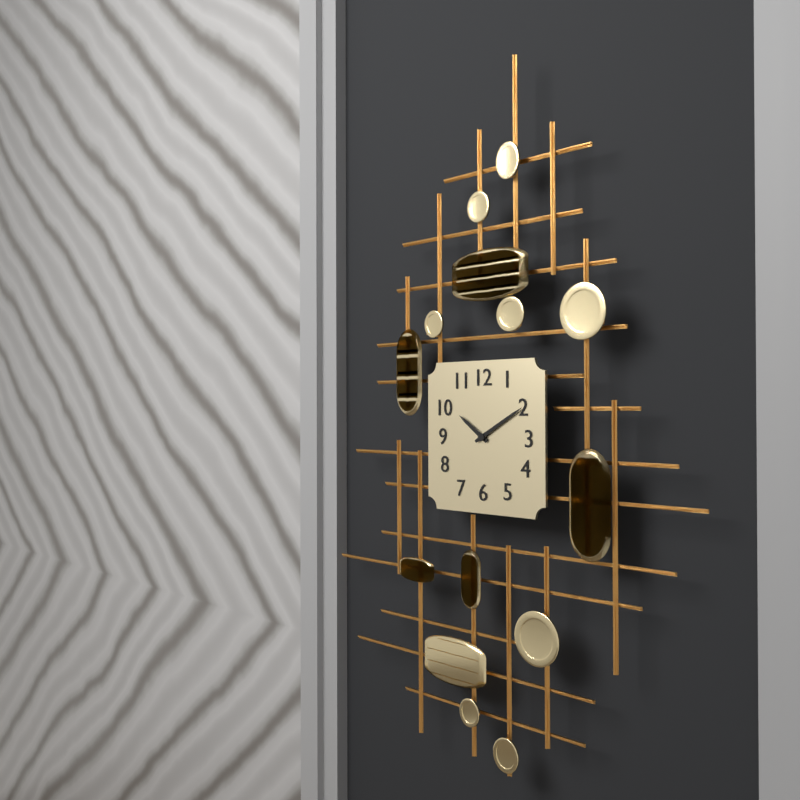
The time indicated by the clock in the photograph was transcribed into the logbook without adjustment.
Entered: 10:10
